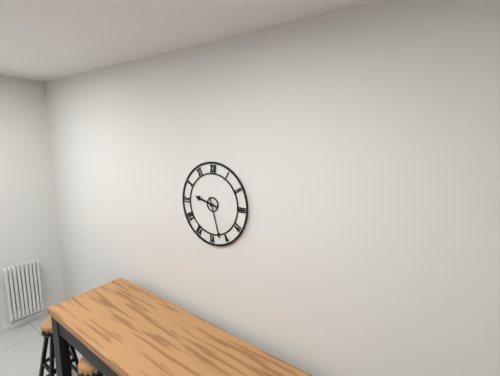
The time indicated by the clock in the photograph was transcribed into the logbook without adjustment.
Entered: 9:27
